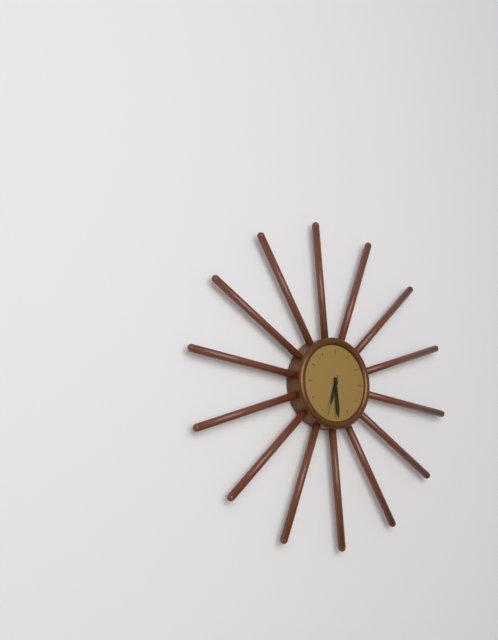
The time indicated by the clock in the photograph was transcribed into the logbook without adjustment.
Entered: 6:29
